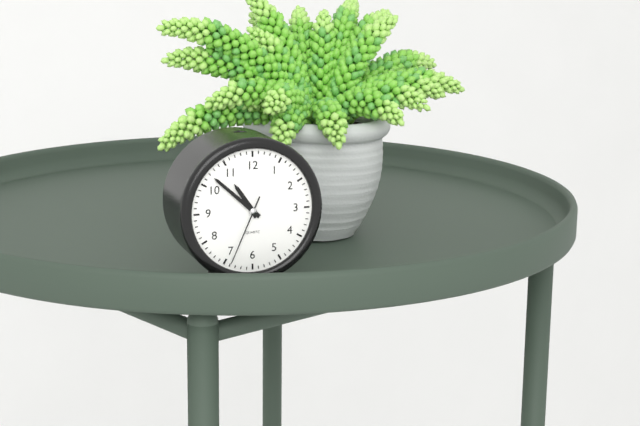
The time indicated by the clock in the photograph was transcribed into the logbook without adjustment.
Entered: 10:52:34
